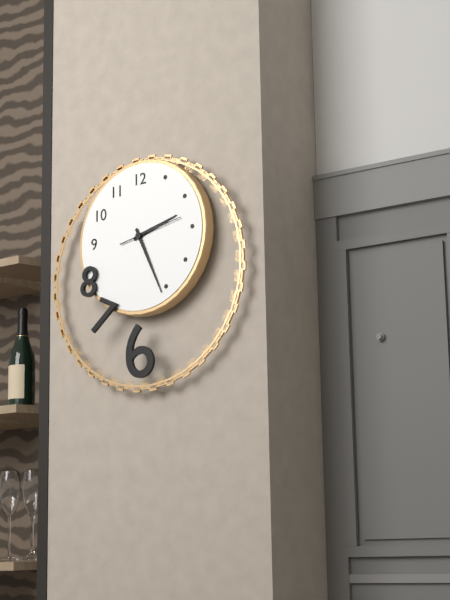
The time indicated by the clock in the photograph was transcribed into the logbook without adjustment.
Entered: 2:26:13
